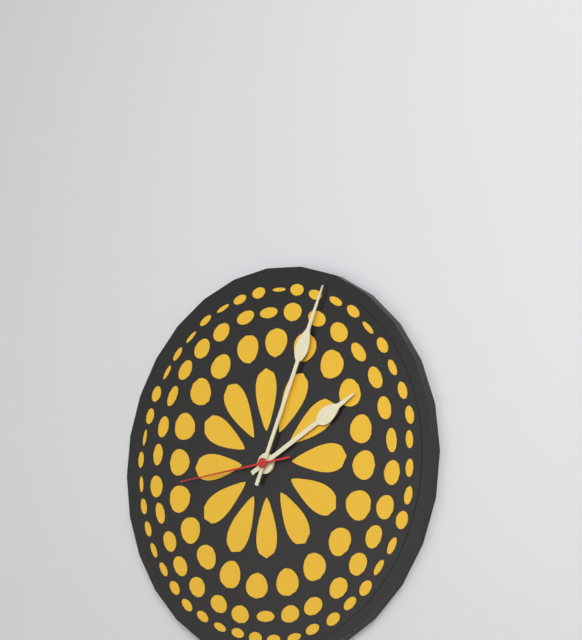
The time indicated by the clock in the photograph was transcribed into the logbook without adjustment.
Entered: 2:04:44
